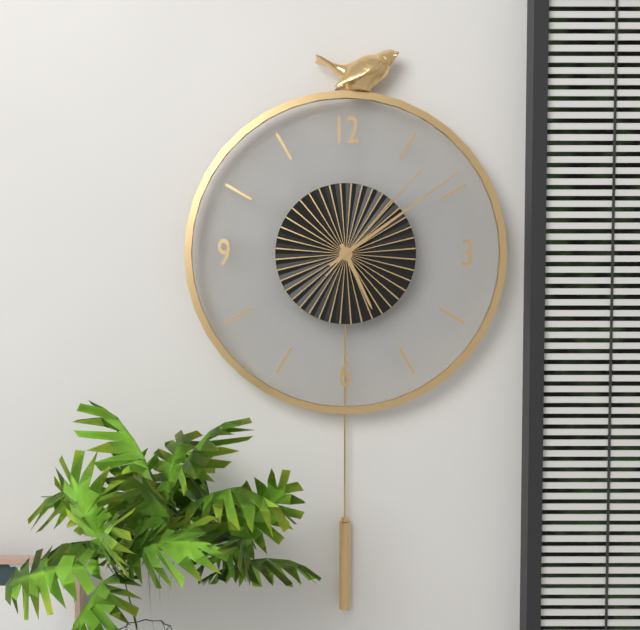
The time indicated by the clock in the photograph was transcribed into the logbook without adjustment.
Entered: 5:09:07
